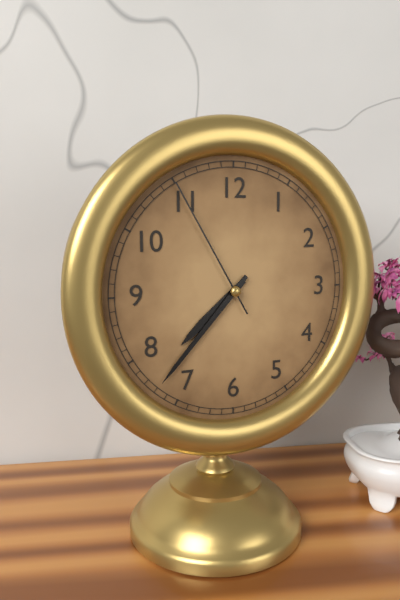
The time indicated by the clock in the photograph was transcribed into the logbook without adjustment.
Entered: 7:37:55
